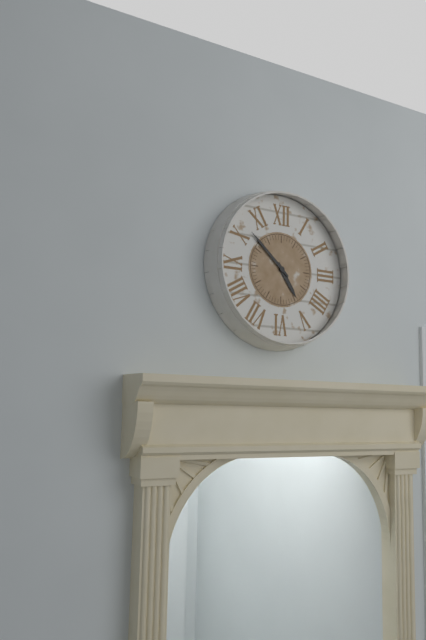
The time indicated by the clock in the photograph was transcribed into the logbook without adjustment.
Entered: 4:52
